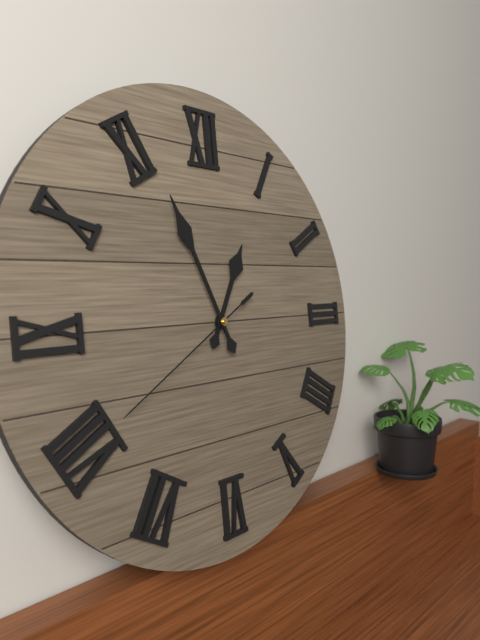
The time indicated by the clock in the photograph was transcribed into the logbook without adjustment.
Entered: 12:56:40
